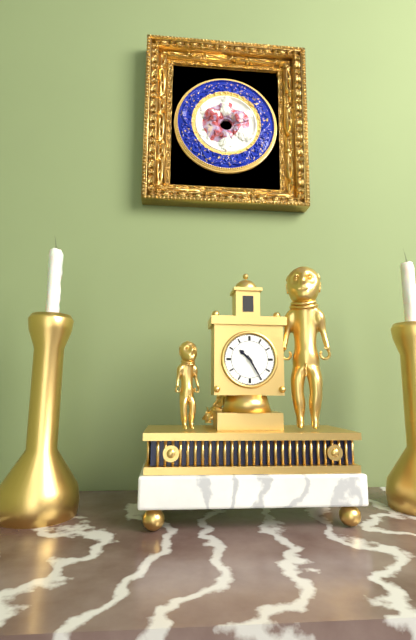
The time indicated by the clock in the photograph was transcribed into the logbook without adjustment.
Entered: 10:25
